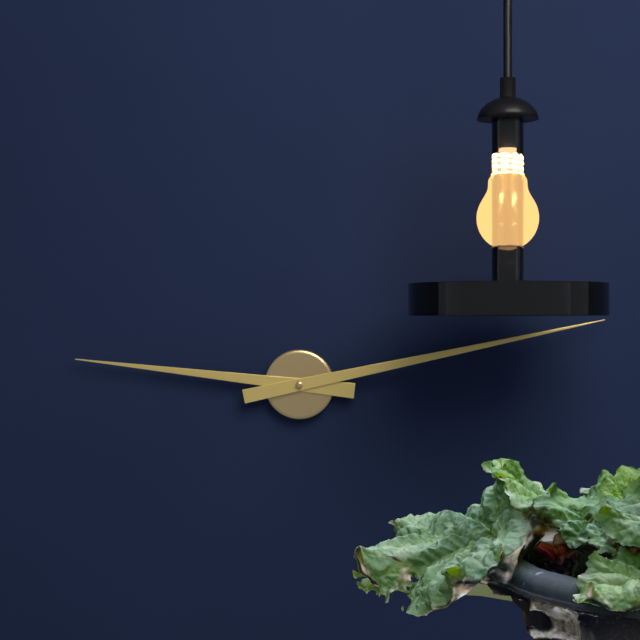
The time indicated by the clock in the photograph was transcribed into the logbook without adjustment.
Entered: 9:13
